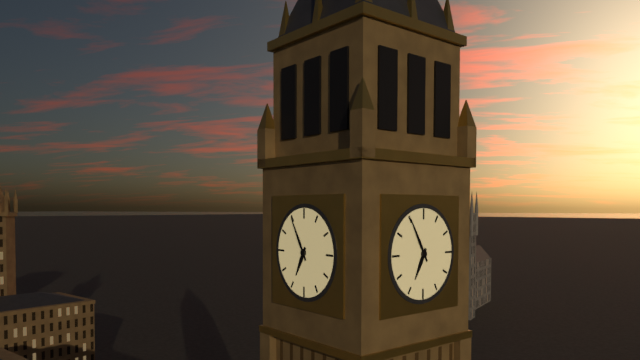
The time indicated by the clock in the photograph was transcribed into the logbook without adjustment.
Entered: 6:55
